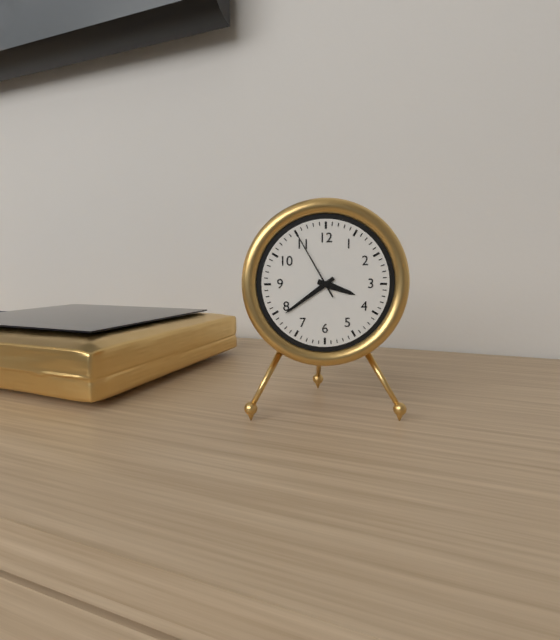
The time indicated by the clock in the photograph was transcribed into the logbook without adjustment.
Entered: 3:39:55
